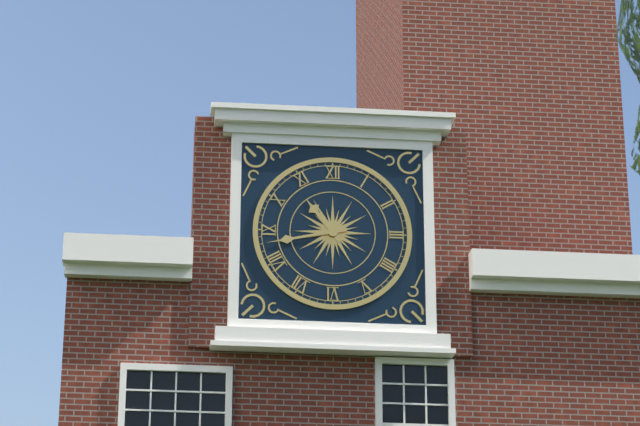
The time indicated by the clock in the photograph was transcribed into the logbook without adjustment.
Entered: 10:43
